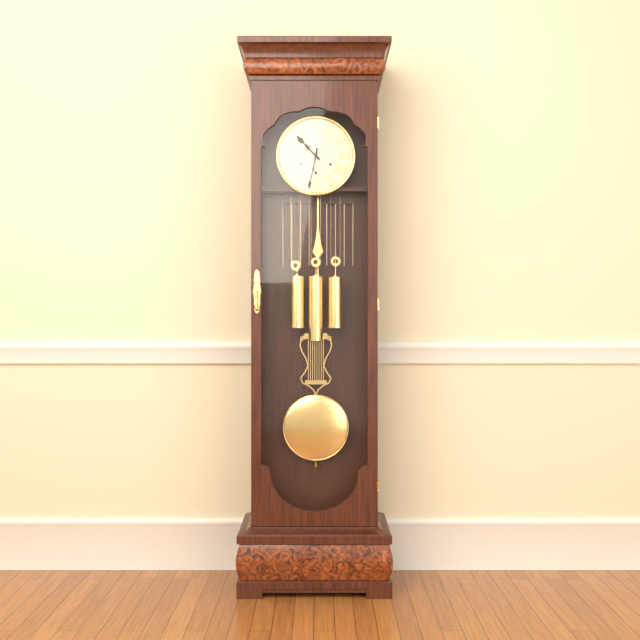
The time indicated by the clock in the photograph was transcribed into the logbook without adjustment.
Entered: 10:32
